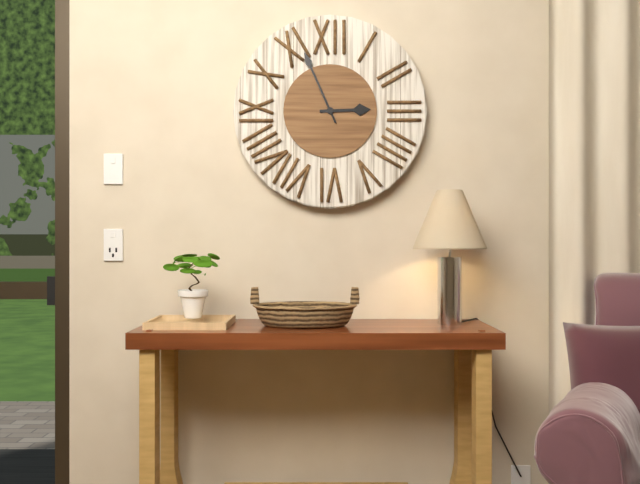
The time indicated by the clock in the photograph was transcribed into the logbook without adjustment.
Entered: 2:56
